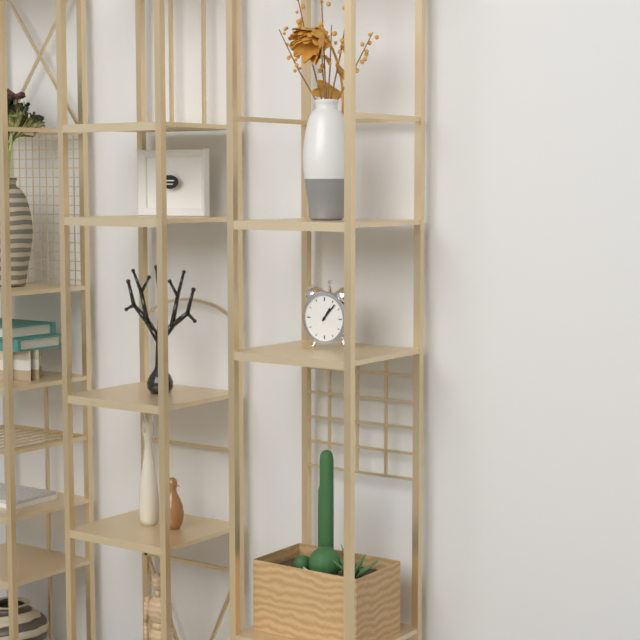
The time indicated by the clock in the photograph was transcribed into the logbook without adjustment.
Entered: 1:07
